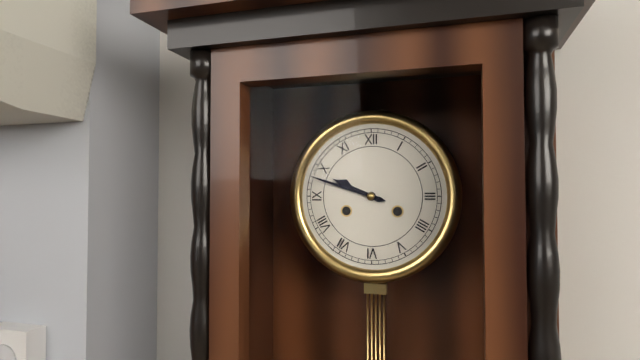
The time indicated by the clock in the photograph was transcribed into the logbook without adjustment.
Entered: 9:48
